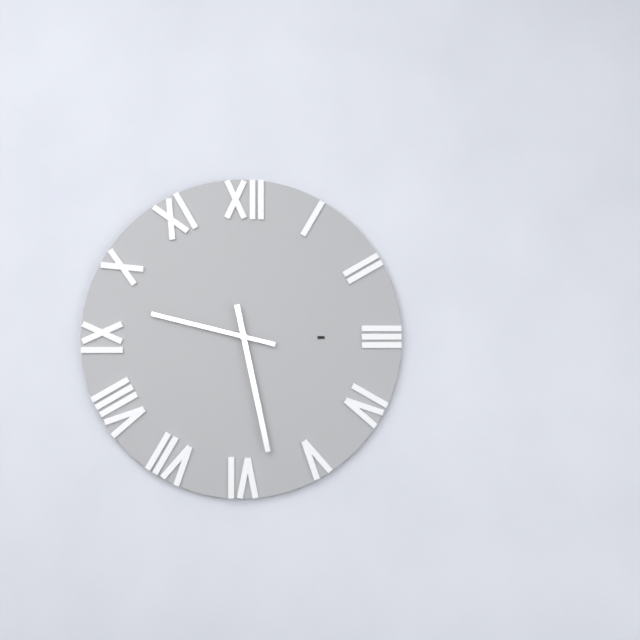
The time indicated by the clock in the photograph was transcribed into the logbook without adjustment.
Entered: 9:28
